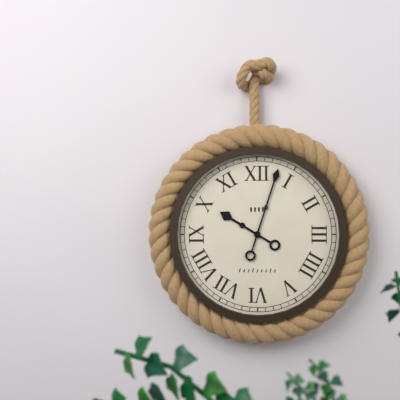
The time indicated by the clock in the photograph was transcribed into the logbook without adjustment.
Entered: 10:03
